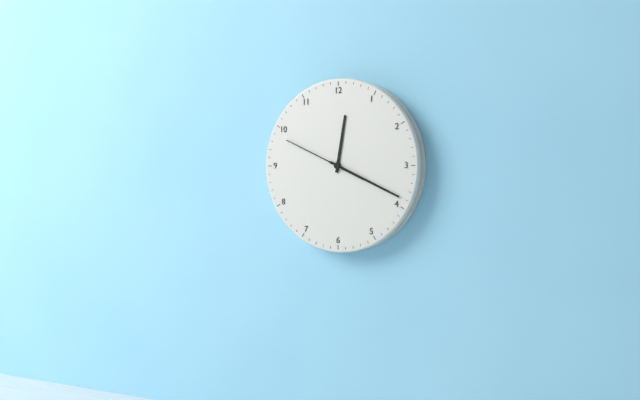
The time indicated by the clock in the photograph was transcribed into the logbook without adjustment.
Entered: 12:19:49
